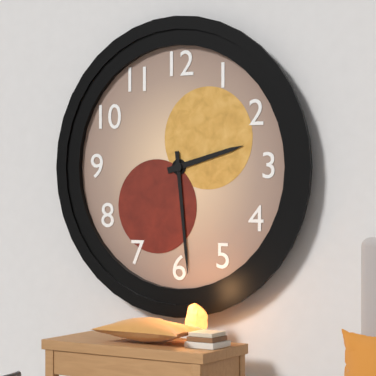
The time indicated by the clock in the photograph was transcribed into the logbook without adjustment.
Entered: 2:29
